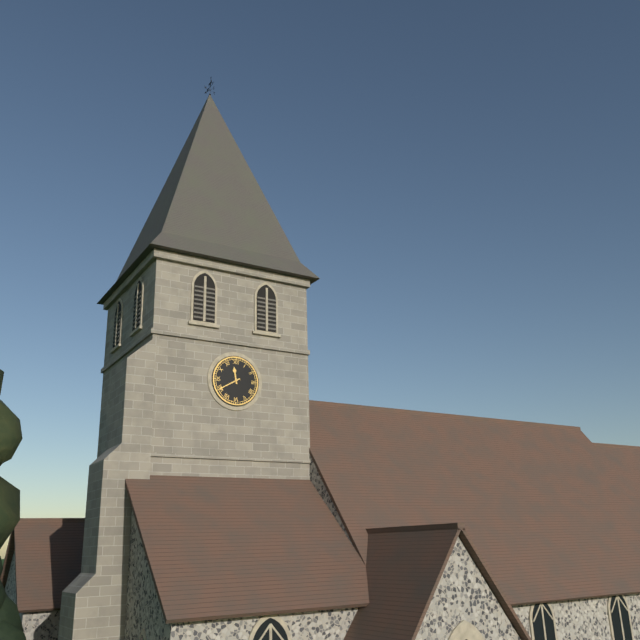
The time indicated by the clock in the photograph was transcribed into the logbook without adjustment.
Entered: 11:40
